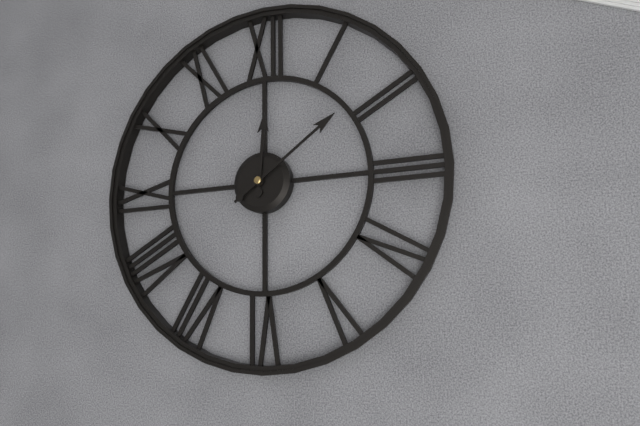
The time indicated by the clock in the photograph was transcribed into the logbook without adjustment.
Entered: 12:09
